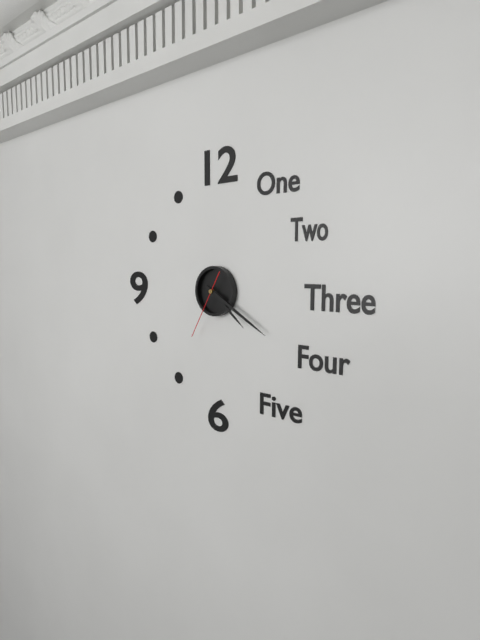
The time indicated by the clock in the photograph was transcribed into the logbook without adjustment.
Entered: 4:20:35
